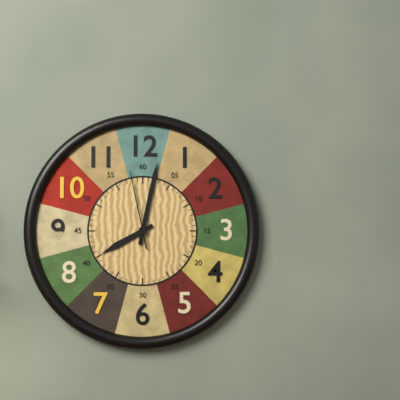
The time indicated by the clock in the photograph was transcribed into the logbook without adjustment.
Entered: 8:02:58
